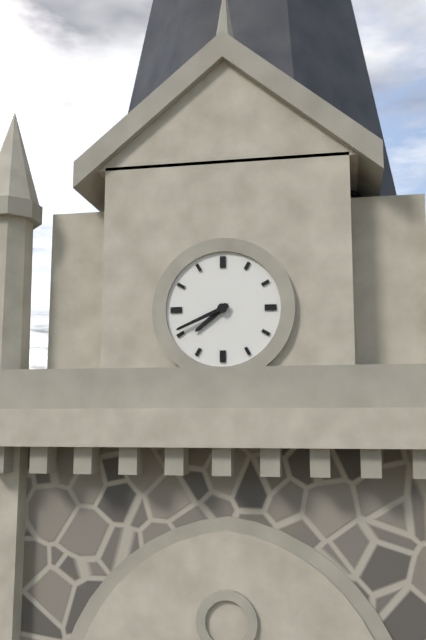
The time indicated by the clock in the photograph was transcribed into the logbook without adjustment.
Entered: 7:41
